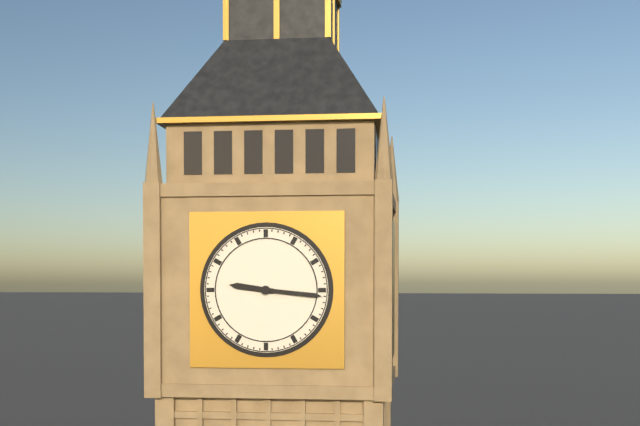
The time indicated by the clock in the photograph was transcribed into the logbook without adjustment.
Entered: 9:16
